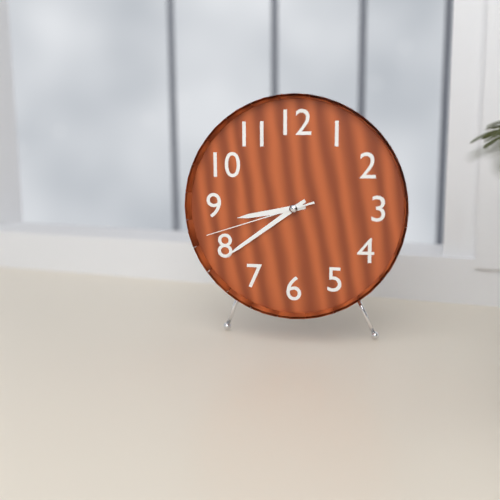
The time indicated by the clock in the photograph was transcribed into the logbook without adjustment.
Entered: 8:39:42
